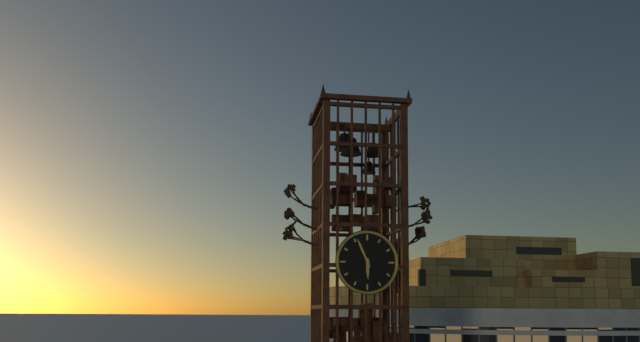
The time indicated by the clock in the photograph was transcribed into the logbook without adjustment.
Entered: 5:56
